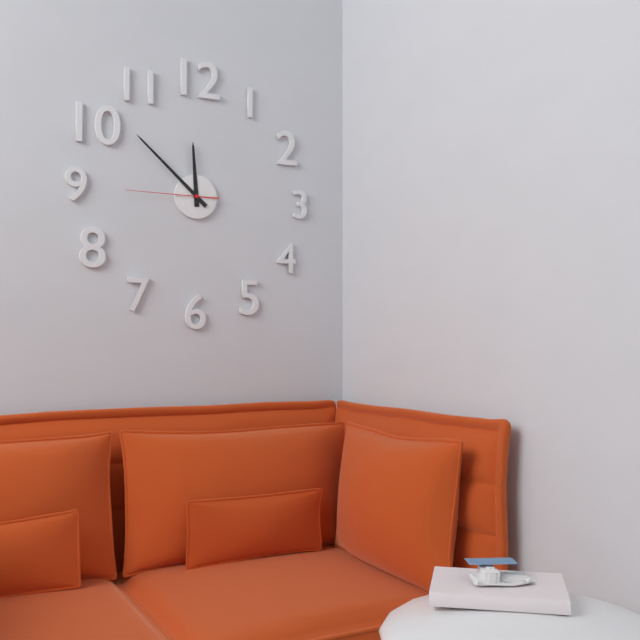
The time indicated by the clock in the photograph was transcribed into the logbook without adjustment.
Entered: 11:52:45
